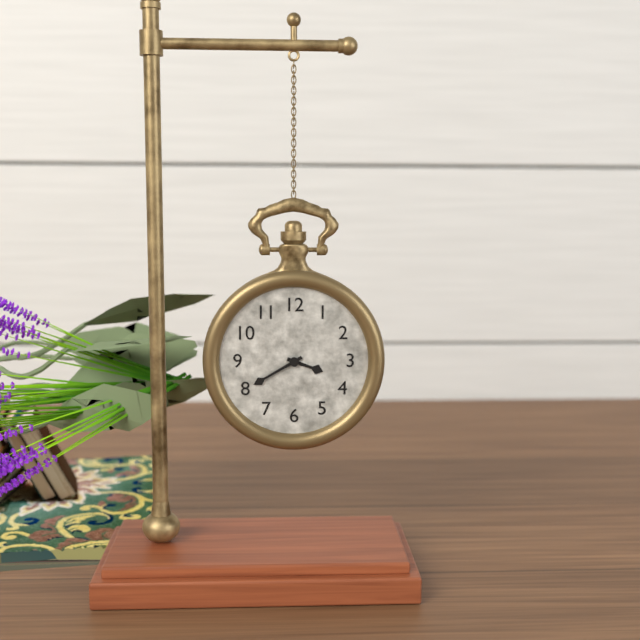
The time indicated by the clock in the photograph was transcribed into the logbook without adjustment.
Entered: 3:40
